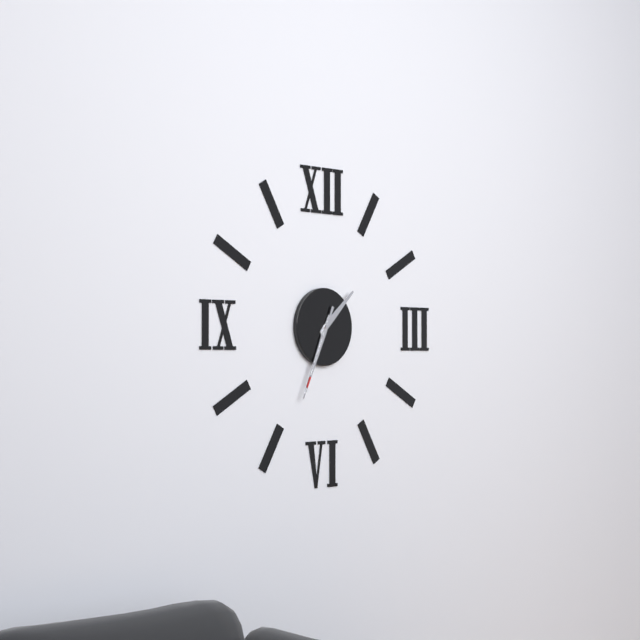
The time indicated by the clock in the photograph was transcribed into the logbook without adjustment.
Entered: 1:34:34
